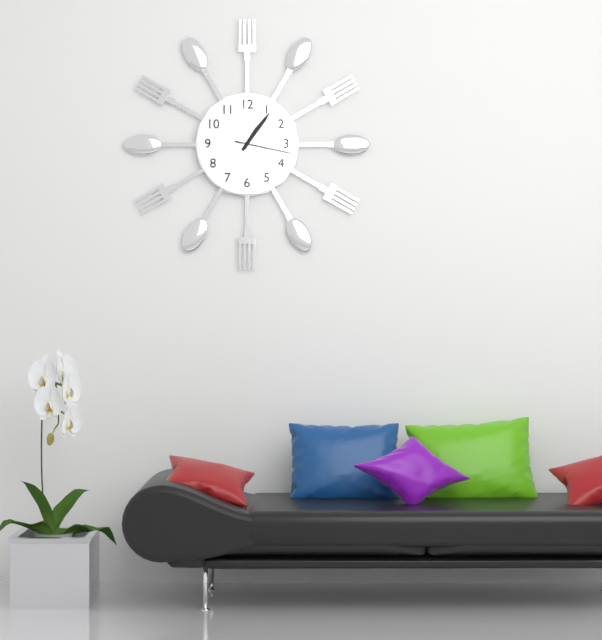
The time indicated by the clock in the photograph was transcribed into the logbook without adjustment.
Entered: 1:06:17
